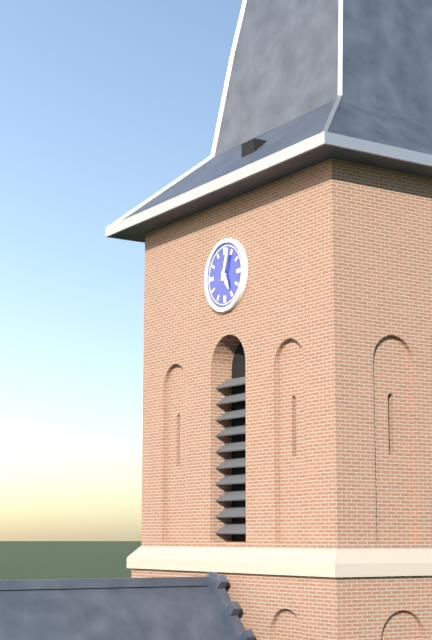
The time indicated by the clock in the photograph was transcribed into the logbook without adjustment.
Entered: 5:03
